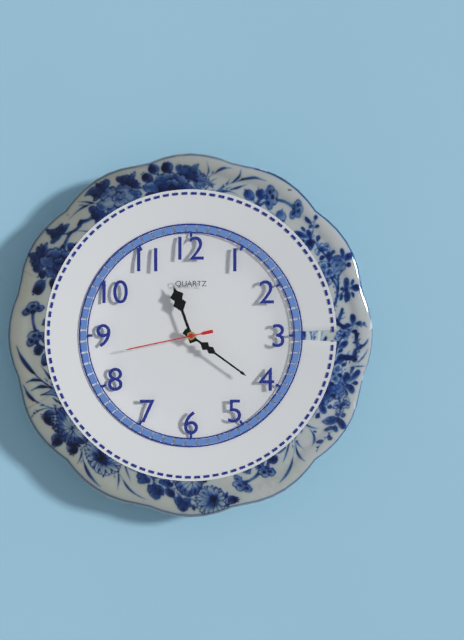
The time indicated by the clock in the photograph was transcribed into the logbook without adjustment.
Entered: 11:21:43
